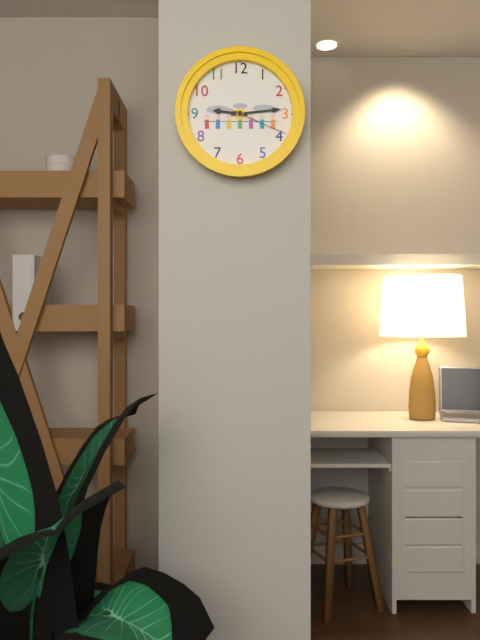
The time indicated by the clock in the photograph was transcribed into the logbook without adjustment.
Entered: 9:14:19
